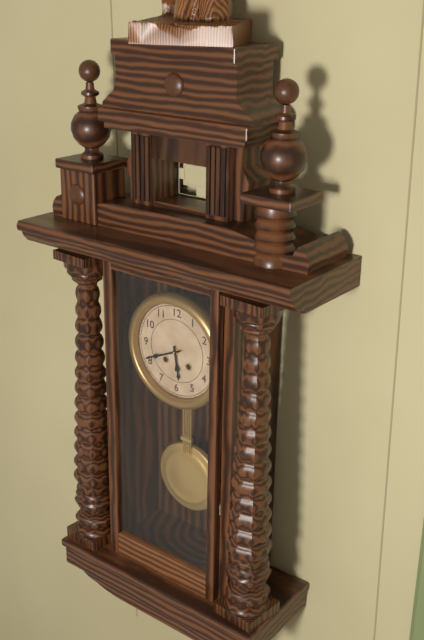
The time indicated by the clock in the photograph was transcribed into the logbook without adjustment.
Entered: 5:41
